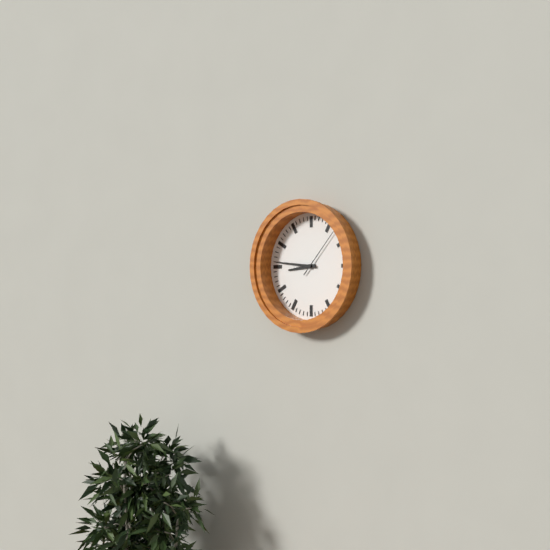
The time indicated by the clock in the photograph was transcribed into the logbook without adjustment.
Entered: 8:46:07
